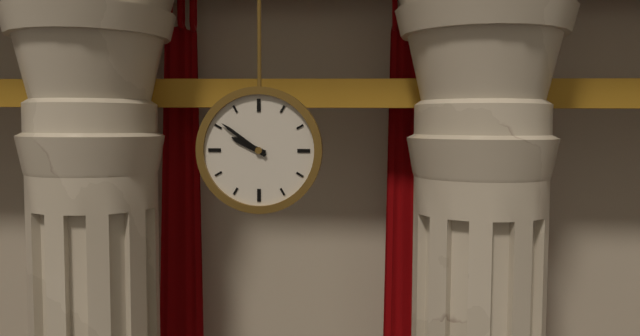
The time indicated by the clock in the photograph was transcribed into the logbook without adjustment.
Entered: 9:51
